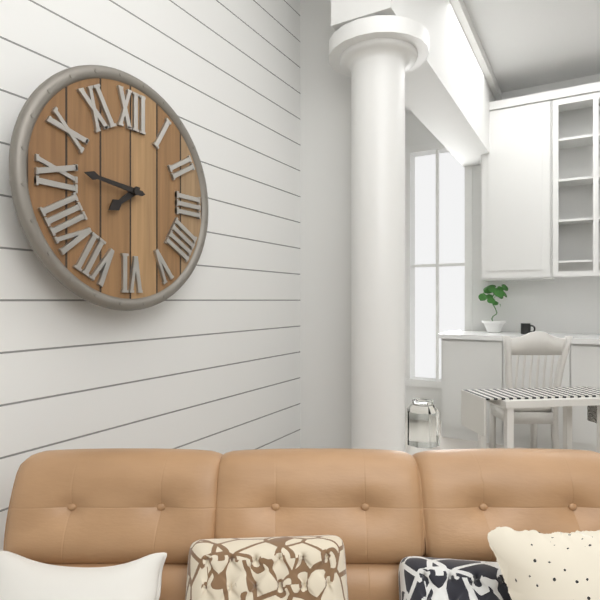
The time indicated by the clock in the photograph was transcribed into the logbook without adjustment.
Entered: 7:46
